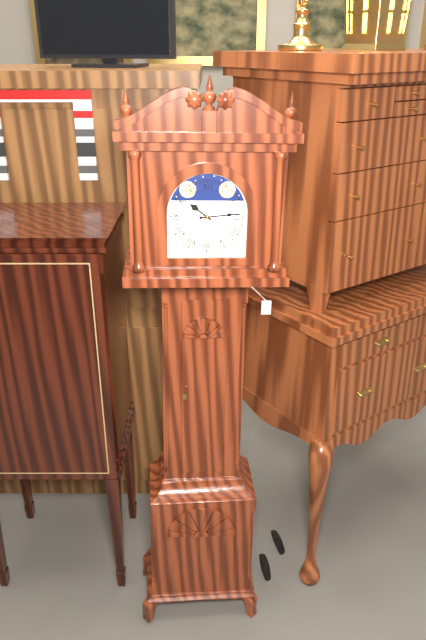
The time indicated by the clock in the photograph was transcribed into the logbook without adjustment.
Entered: 10:14
